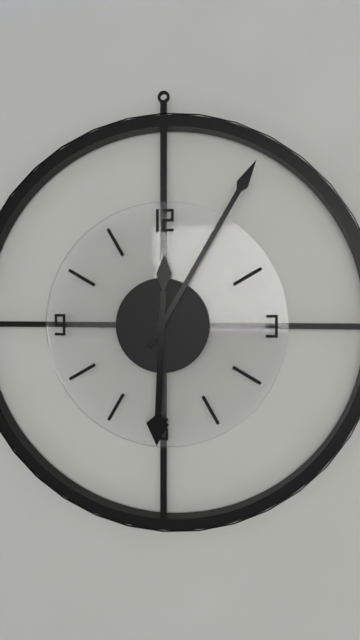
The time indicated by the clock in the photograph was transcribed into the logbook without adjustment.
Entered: 6:05
